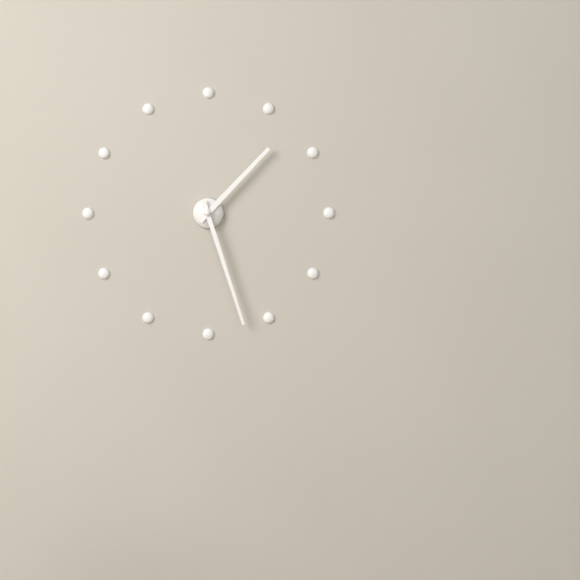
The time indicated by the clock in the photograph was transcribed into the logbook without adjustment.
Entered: 1:27
